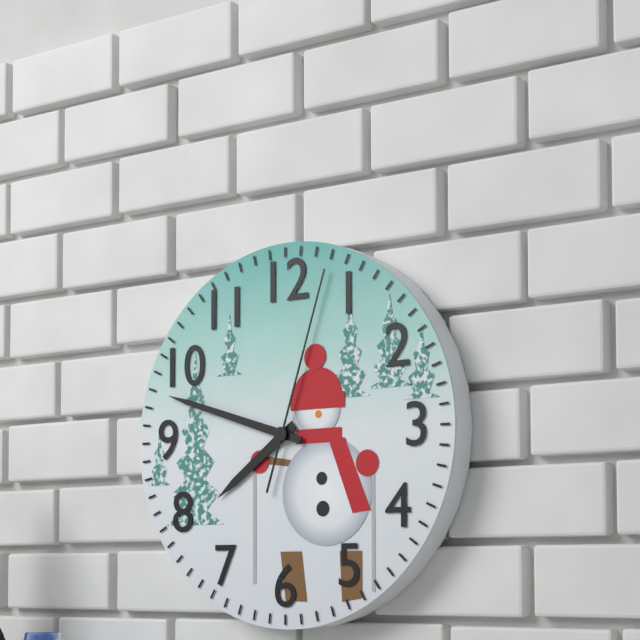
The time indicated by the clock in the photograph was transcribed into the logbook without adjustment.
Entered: 7:48:03
